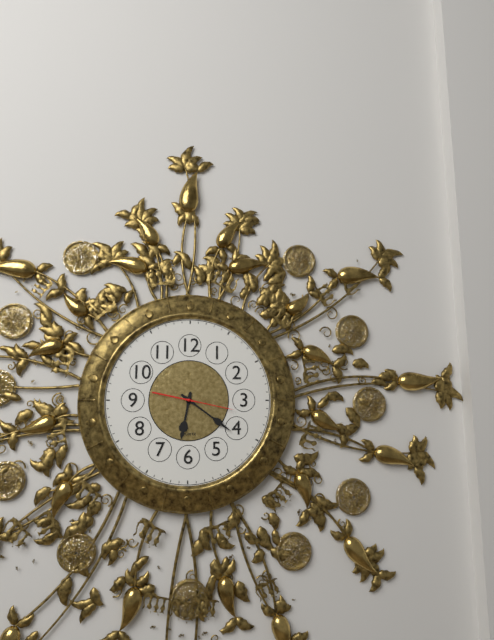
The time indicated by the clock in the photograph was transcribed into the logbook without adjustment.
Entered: 6:21:17
